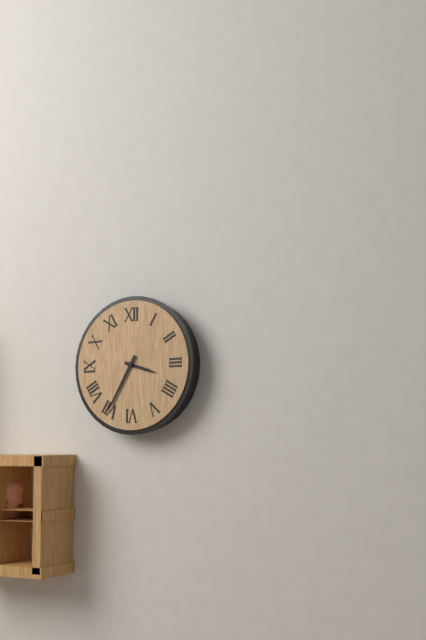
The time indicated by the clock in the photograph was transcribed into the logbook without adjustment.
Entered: 3:35
